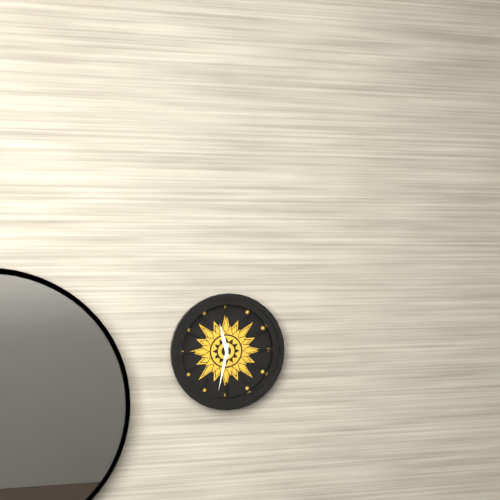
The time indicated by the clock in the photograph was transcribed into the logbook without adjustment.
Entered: 11:32
